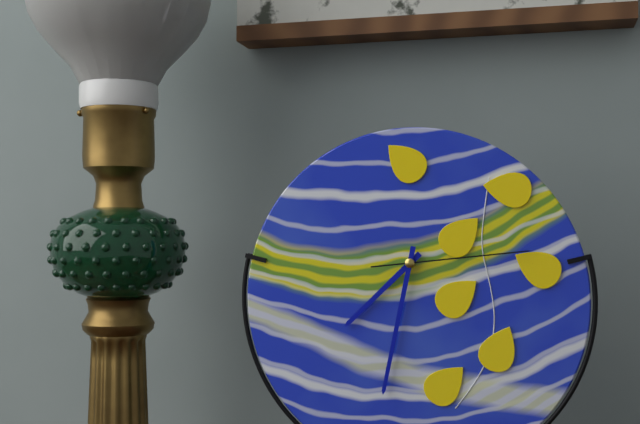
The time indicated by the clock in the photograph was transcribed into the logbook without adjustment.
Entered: 7:32:14
